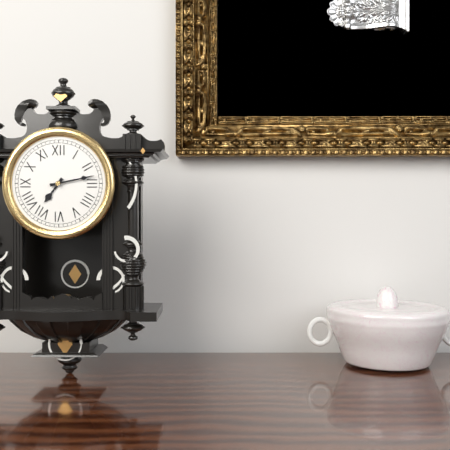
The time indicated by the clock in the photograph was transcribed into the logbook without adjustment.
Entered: 7:13
